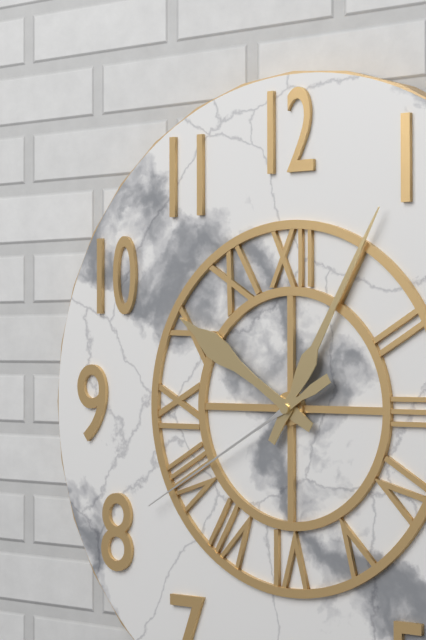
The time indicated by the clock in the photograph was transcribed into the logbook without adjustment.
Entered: 10:05:40
